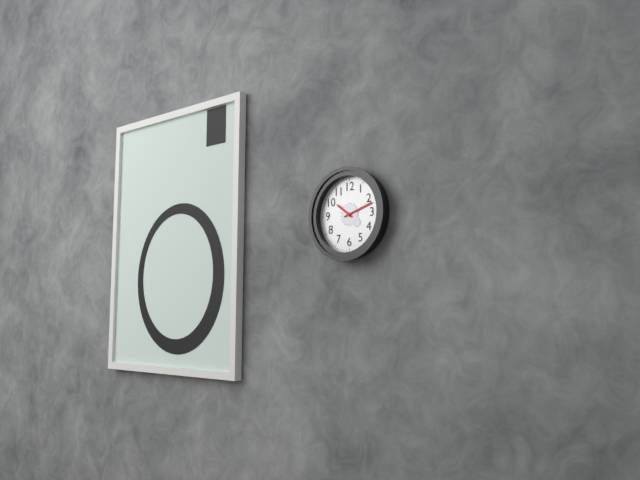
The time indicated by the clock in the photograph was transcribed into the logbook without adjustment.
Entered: 10:12
